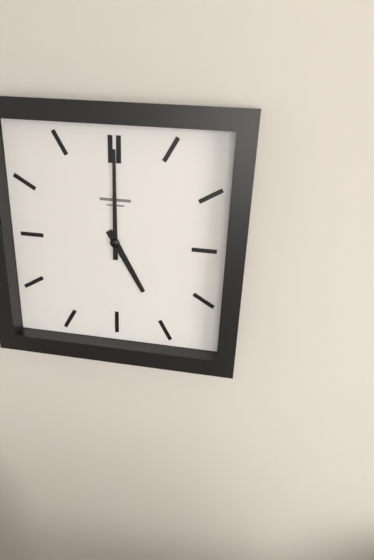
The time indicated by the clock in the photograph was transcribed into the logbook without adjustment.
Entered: 5:00
